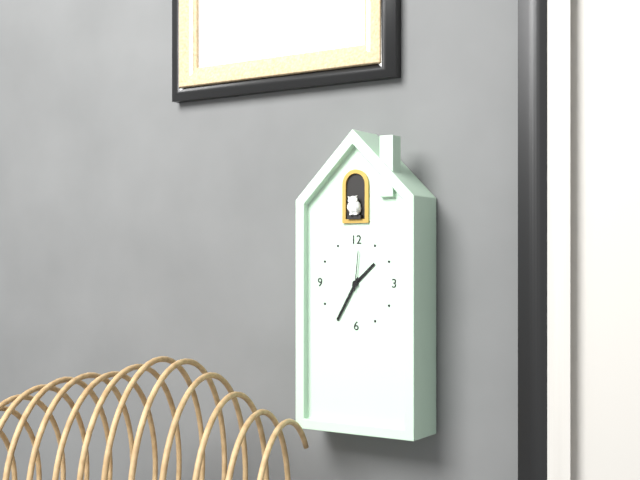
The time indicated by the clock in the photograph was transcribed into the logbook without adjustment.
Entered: 1:35
